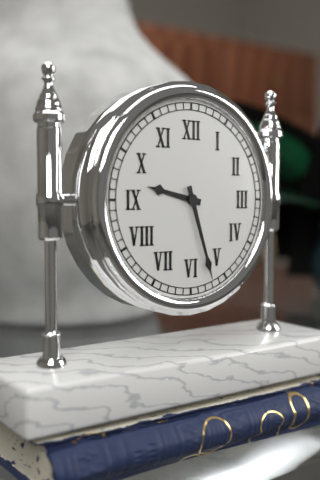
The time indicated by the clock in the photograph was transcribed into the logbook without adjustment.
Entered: 9:27
